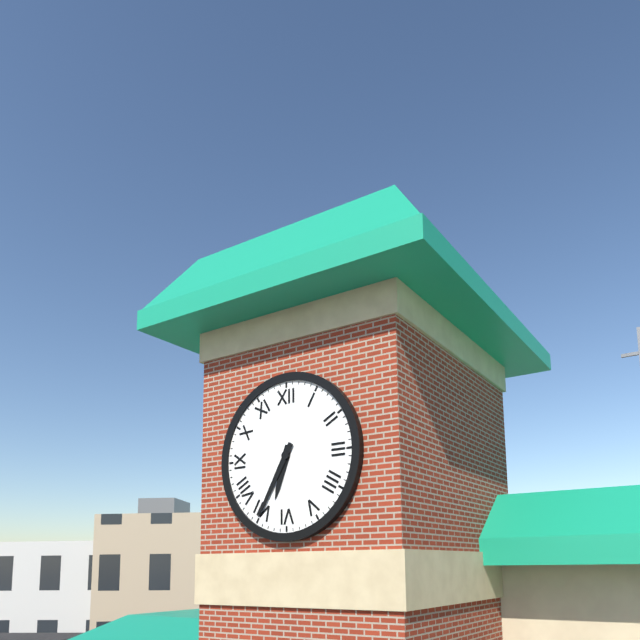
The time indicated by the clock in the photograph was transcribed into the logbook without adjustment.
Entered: 6:35
